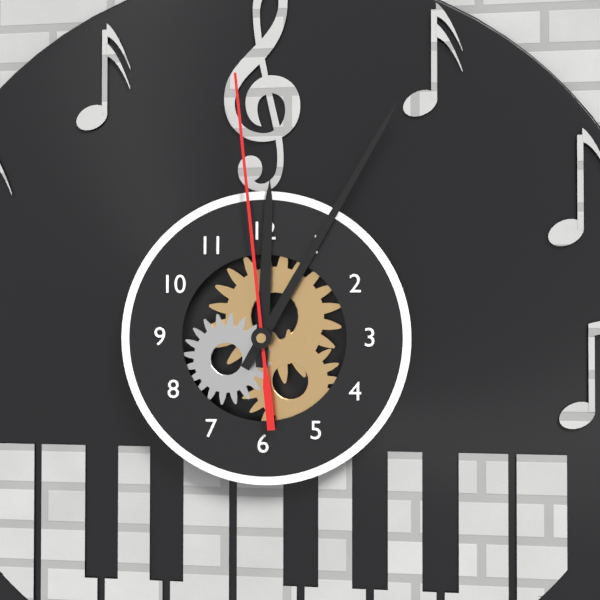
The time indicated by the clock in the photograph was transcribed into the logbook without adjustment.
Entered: 12:05:59
